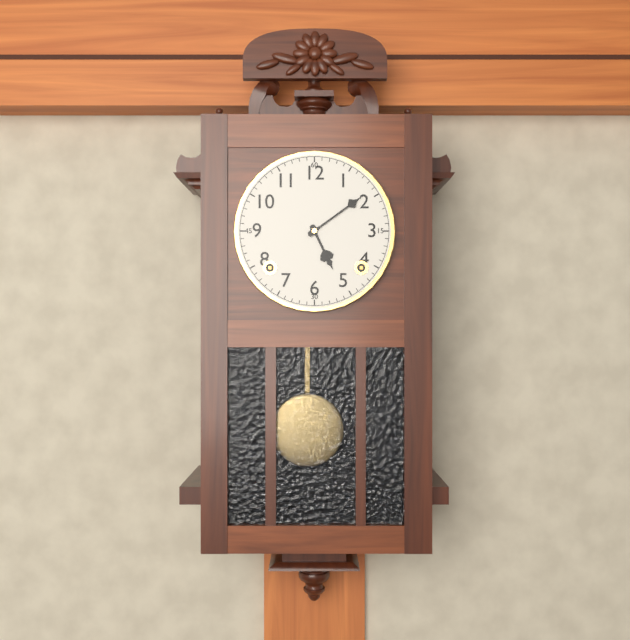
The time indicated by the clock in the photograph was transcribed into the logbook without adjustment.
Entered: 5:09
